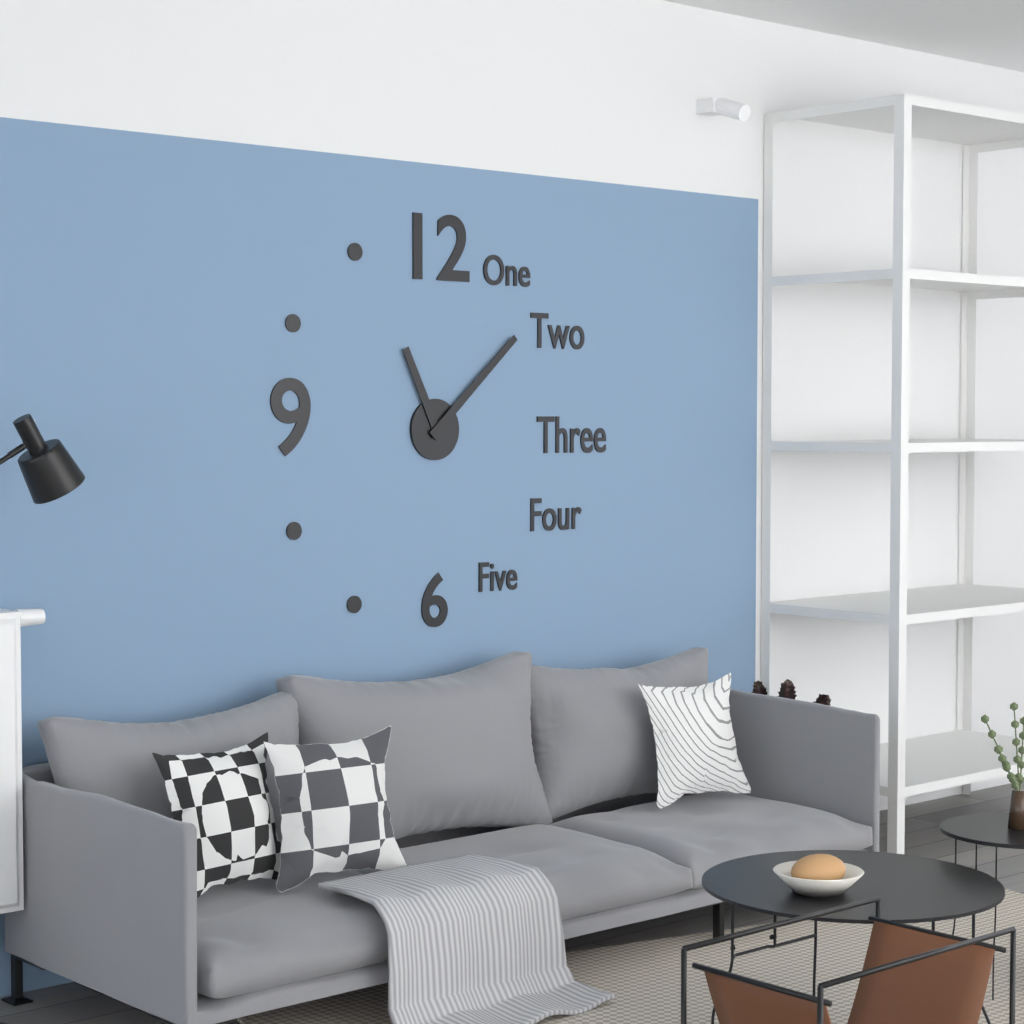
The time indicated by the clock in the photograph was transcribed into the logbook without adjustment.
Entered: 11:08
